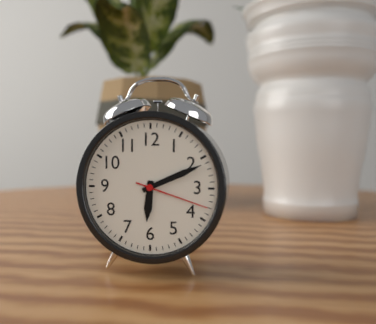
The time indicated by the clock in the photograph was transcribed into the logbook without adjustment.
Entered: 6:11:18
